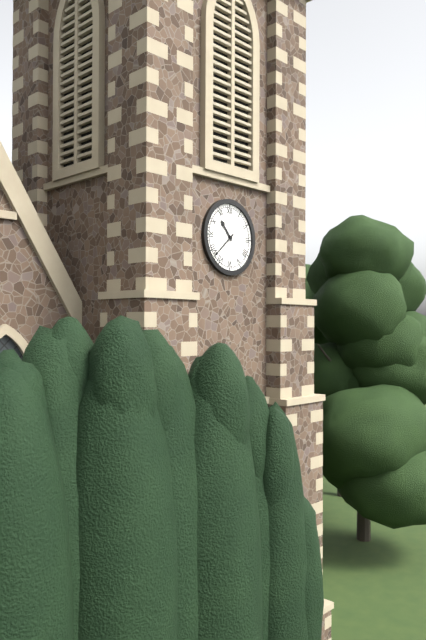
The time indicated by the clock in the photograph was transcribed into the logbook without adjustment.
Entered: 10:38
